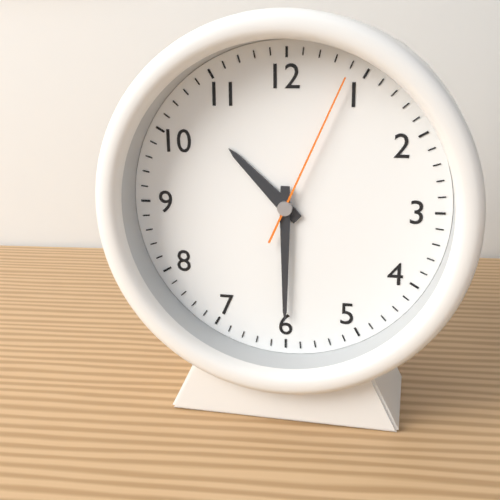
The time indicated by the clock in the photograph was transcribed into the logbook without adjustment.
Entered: 10:30:04
